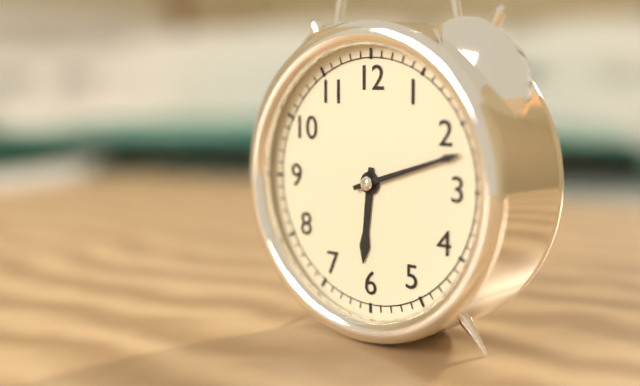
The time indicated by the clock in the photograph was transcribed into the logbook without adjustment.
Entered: 6:12
